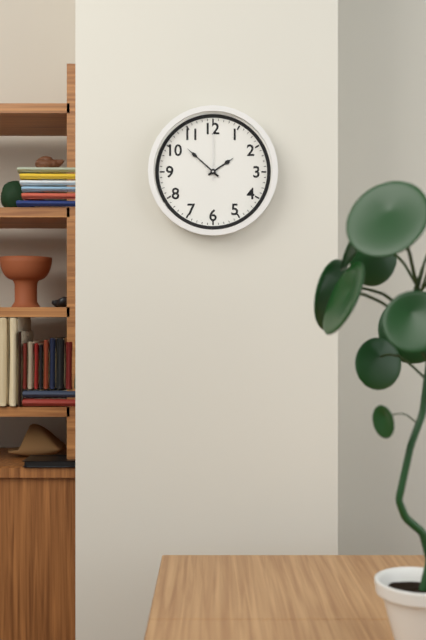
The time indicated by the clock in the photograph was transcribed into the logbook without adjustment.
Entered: 1:52:00
